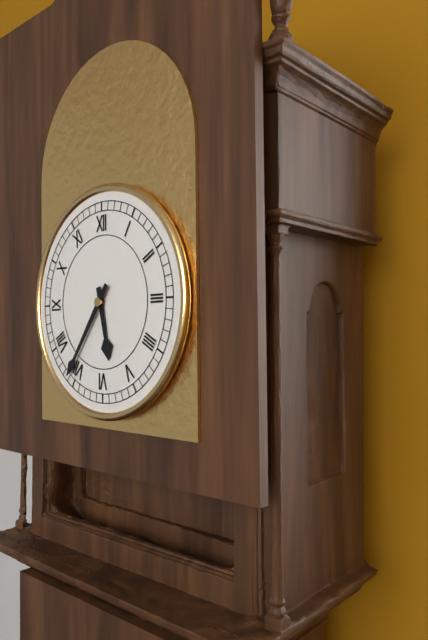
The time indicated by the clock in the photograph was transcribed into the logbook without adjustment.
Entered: 5:36
